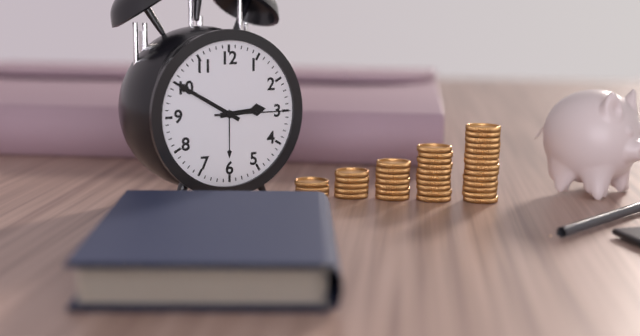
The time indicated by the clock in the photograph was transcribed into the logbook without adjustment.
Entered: 2:50:15
